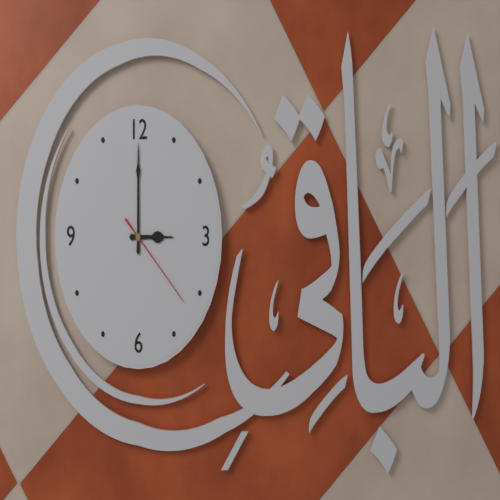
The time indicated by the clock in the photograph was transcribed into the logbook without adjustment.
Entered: 3:00:22
